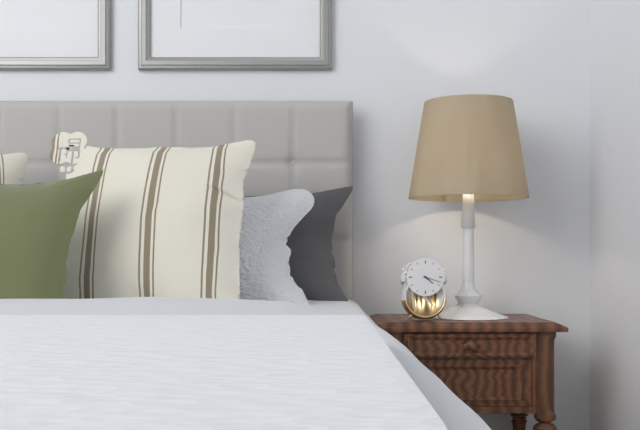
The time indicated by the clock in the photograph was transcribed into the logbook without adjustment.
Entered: 4:18
